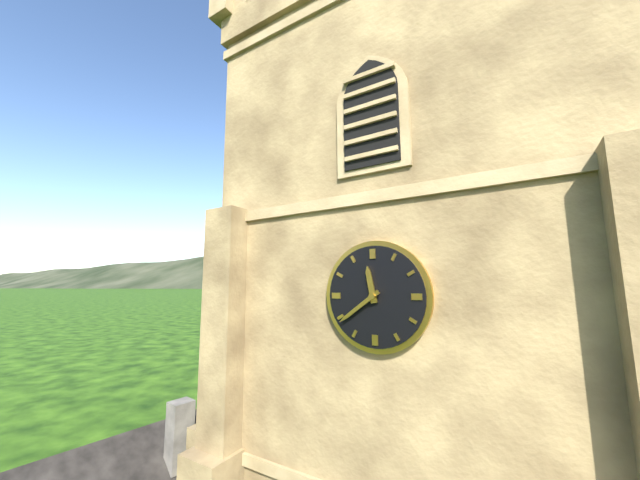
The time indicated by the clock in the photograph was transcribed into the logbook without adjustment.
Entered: 11:39
